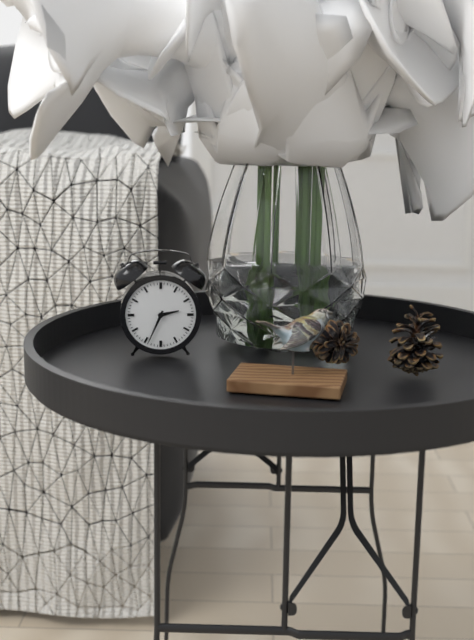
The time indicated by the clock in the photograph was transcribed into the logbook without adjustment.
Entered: 2:34
